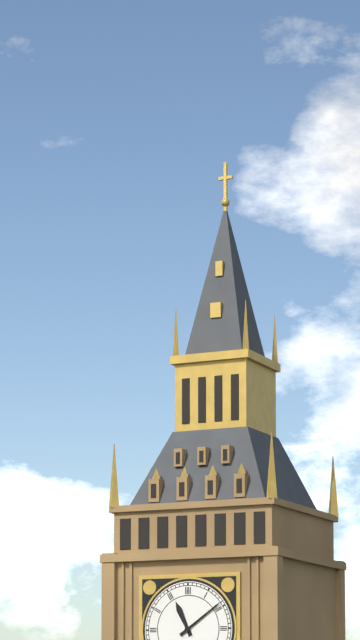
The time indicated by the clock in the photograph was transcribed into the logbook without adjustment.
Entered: 11:09
